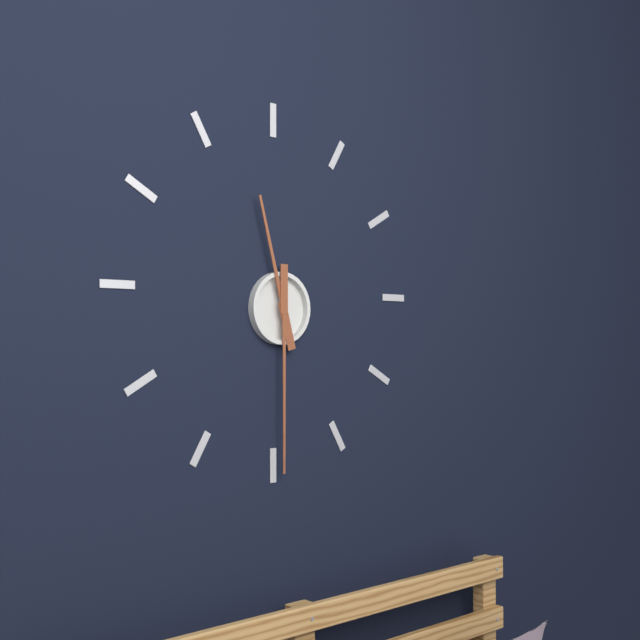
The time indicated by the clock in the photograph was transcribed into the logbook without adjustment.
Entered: 11:30
